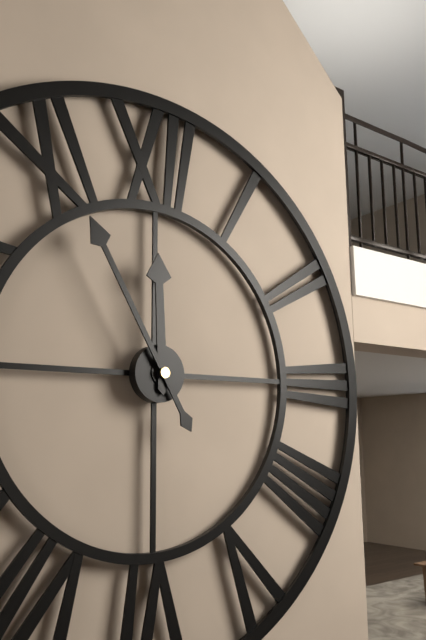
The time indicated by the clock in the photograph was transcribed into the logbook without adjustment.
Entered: 11:55
